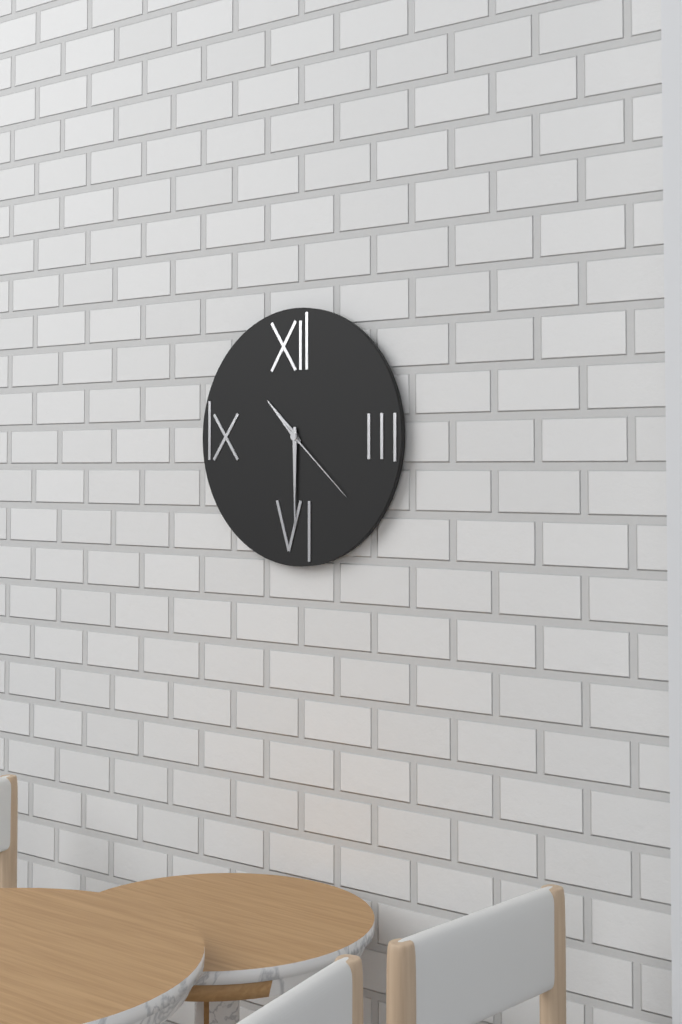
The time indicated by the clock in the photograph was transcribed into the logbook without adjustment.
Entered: 10:30:22
